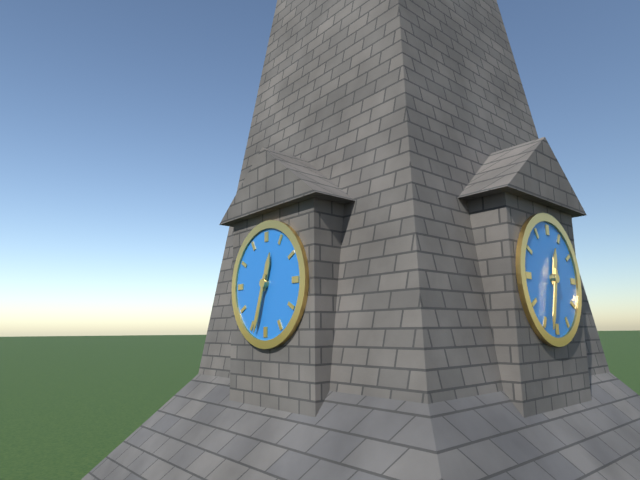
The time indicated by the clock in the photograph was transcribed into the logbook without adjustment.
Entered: 12:33
